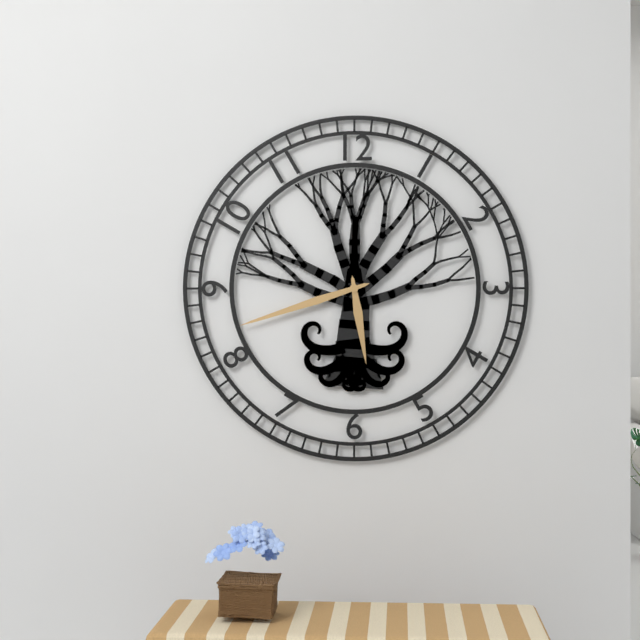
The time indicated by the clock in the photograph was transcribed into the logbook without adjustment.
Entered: 5:42
